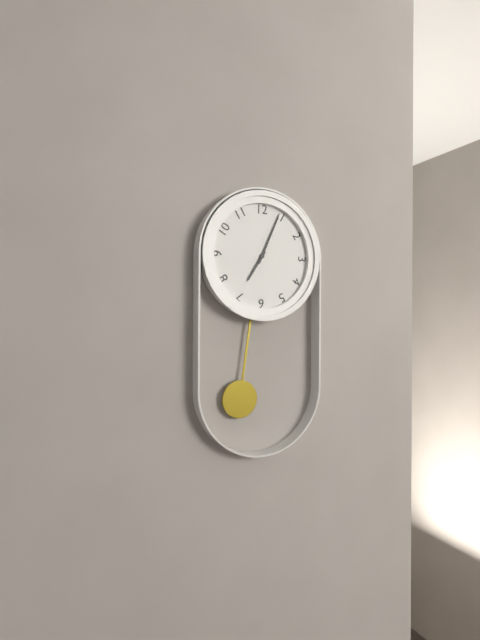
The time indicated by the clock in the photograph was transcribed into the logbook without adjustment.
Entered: 7:04
